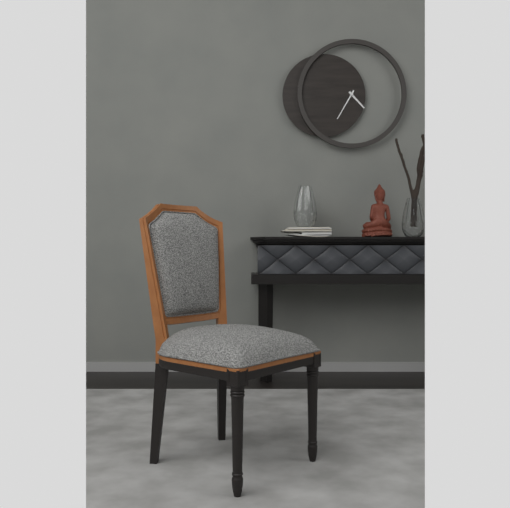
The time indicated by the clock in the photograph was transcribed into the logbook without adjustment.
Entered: 4:35
